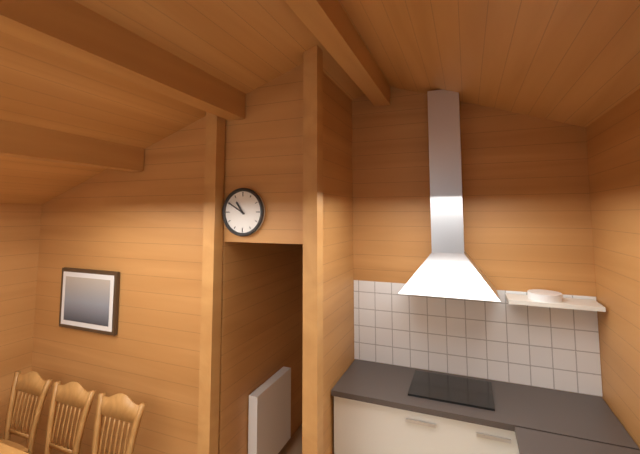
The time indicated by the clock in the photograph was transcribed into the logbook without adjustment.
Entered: 10:50
